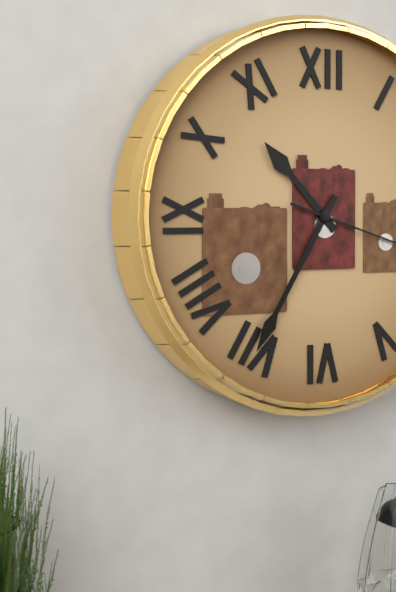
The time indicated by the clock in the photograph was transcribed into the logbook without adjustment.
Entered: 10:35
